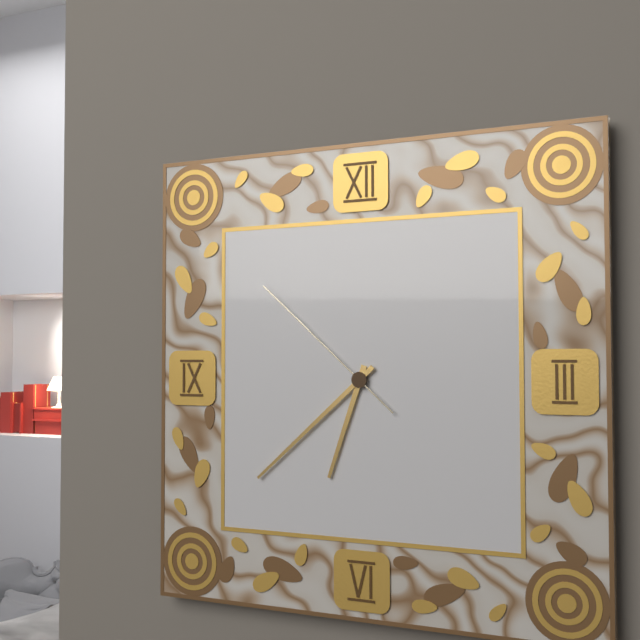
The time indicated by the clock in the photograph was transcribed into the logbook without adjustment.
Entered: 6:38:52
